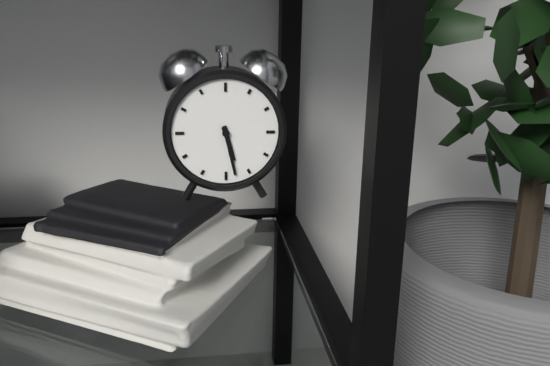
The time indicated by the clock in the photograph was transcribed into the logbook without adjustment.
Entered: 5:28
